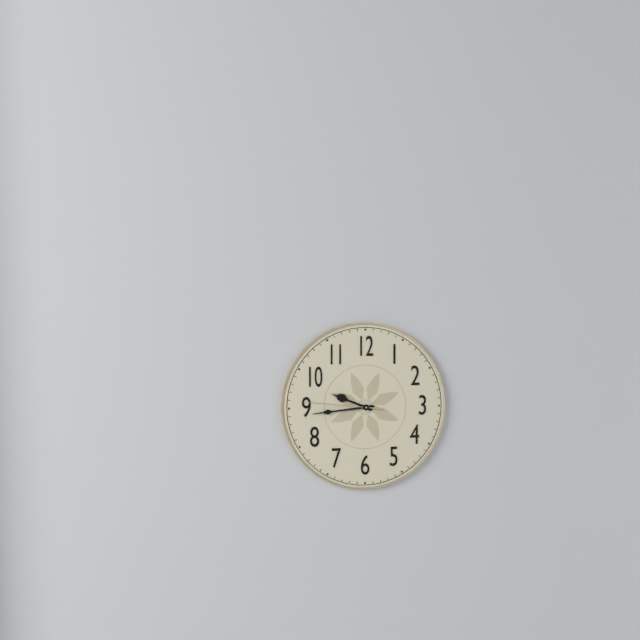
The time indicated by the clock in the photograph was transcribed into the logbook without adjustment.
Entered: 9:44:46
